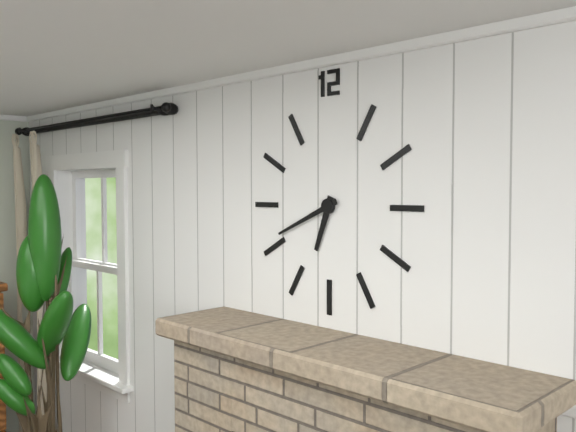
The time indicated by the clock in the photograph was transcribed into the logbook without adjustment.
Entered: 6:41
